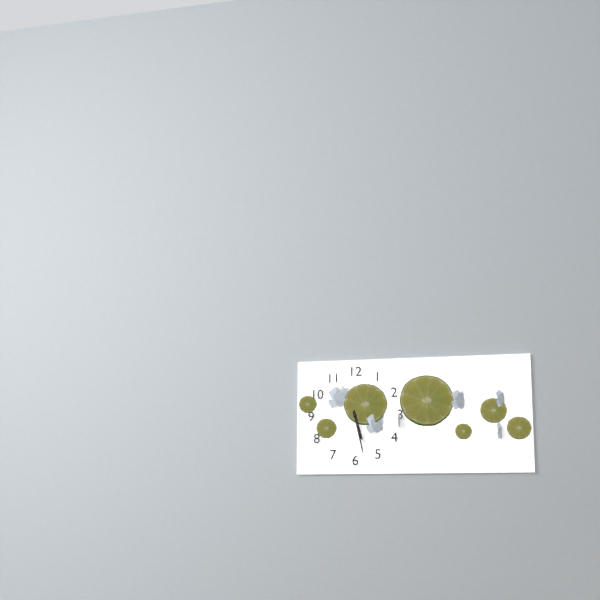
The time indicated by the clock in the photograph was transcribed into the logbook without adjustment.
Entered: 5:28
